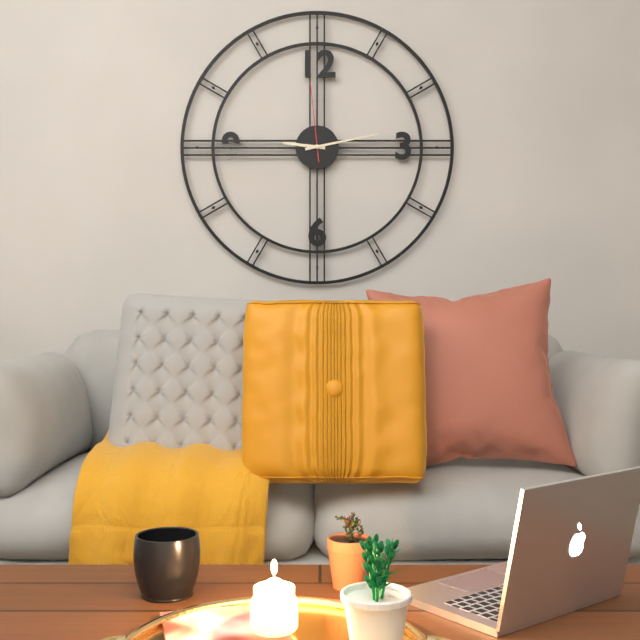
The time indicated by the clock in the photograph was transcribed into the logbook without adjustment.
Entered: 9:13:59
